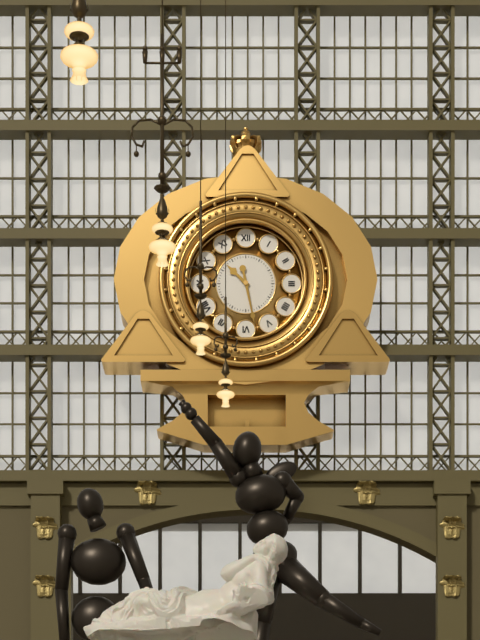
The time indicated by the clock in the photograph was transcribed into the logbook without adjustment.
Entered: 10:28
